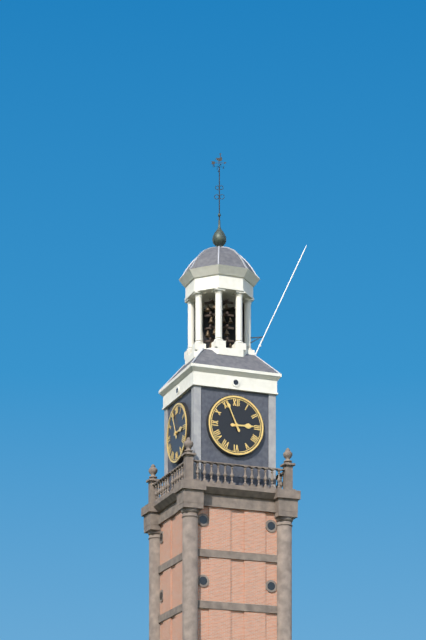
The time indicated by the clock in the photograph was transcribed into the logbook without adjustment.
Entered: 2:56
